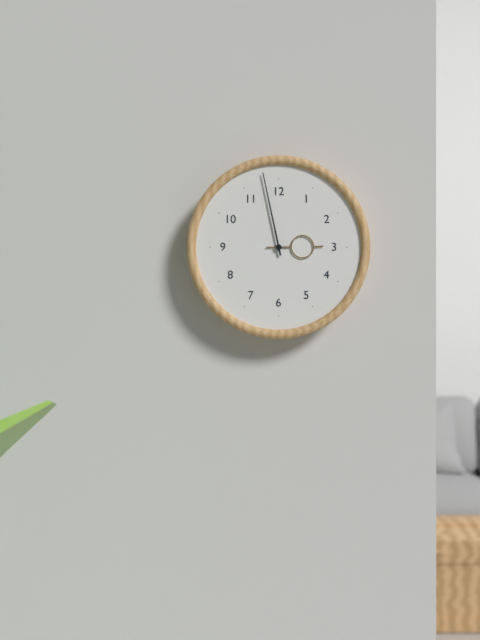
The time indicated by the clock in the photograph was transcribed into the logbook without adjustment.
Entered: 2:58
